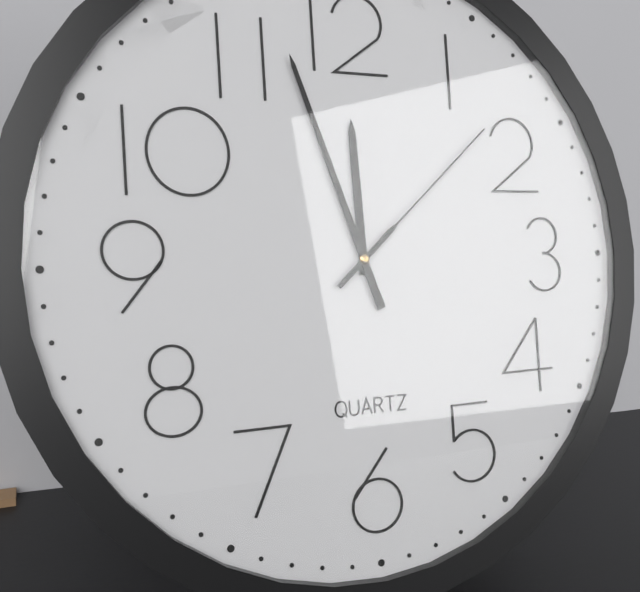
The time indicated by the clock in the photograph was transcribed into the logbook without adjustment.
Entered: 11:57:08
